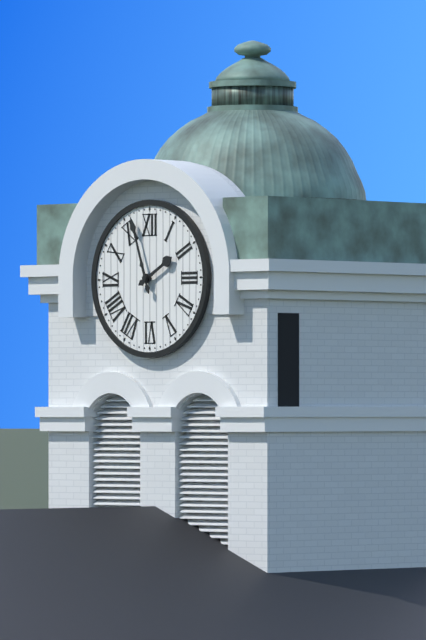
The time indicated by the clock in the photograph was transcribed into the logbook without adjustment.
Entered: 1:57
